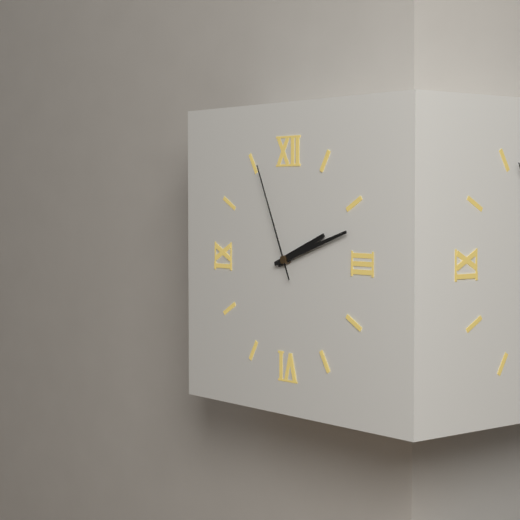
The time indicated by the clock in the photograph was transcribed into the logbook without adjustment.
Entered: 2:12:56
